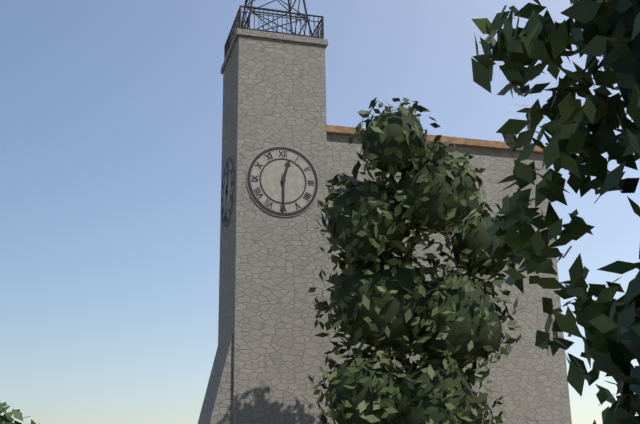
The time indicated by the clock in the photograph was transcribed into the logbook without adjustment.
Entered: 12:30
